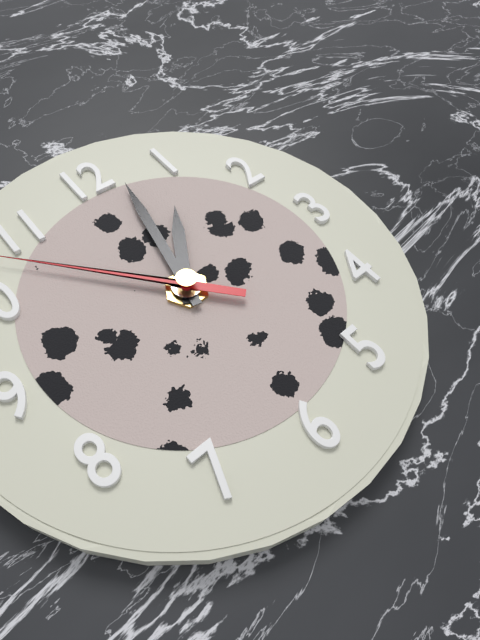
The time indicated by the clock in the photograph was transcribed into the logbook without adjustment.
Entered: 1:02
